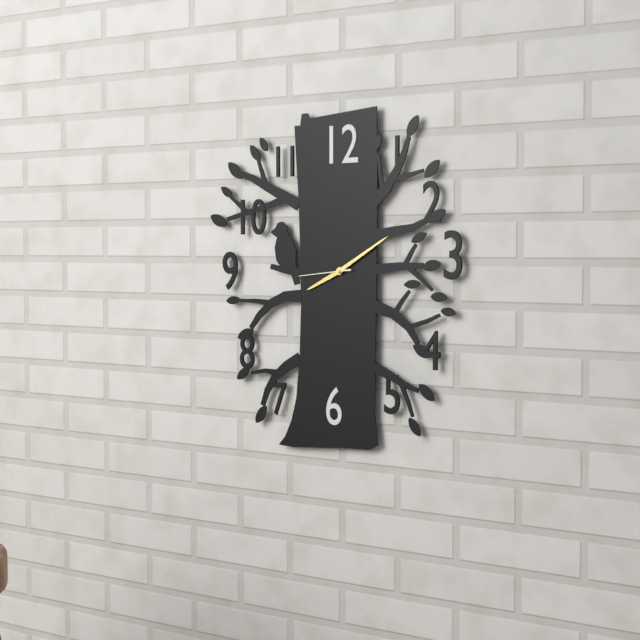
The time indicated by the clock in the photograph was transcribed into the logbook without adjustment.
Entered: 8:10:44
